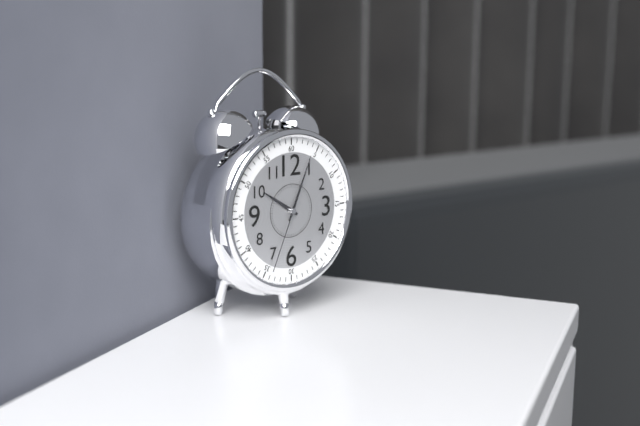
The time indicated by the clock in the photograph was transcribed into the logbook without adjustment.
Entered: 10:04:34
